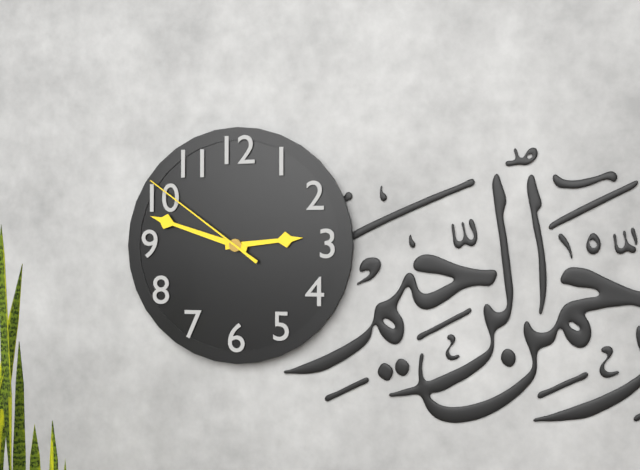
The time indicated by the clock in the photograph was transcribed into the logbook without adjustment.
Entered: 2:48:51
